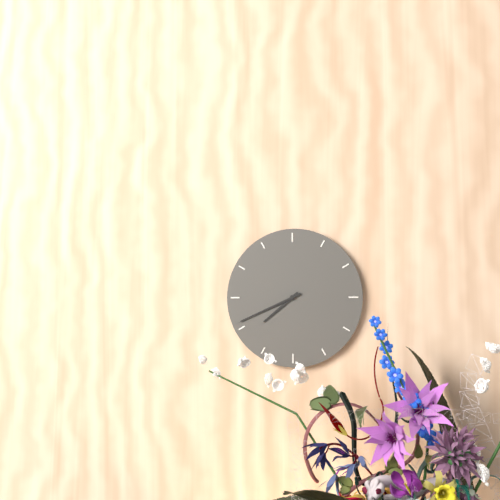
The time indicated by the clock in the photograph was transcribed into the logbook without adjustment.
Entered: 7:41
